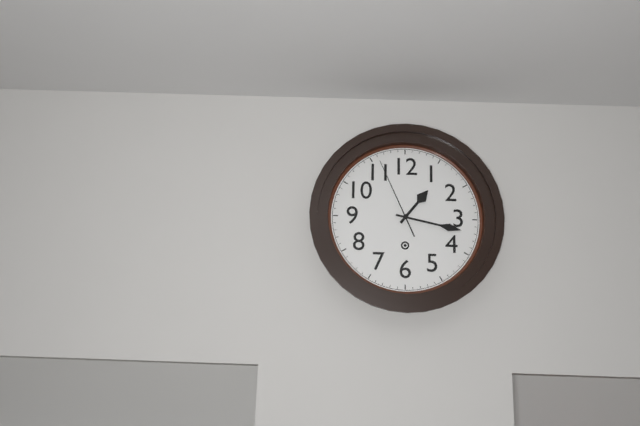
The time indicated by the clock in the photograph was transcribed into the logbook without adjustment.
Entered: 1:17:56
